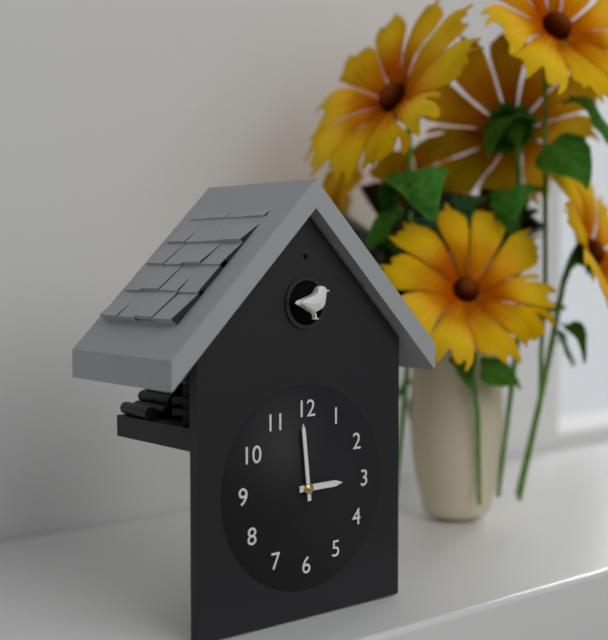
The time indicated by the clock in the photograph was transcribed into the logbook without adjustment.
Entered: 2:59
